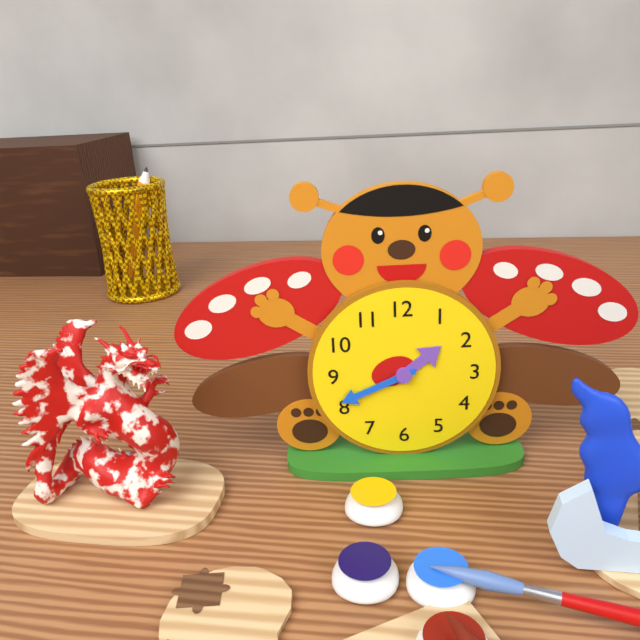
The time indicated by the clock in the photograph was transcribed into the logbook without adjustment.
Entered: 1:41
